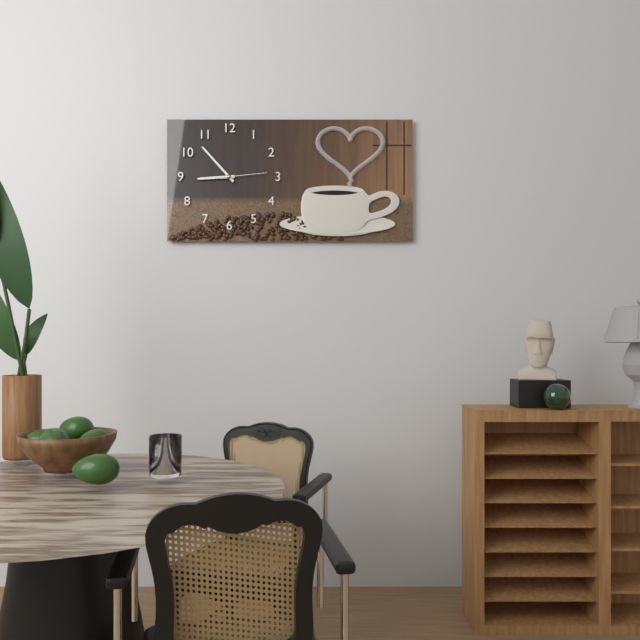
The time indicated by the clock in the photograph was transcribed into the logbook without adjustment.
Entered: 8:53
